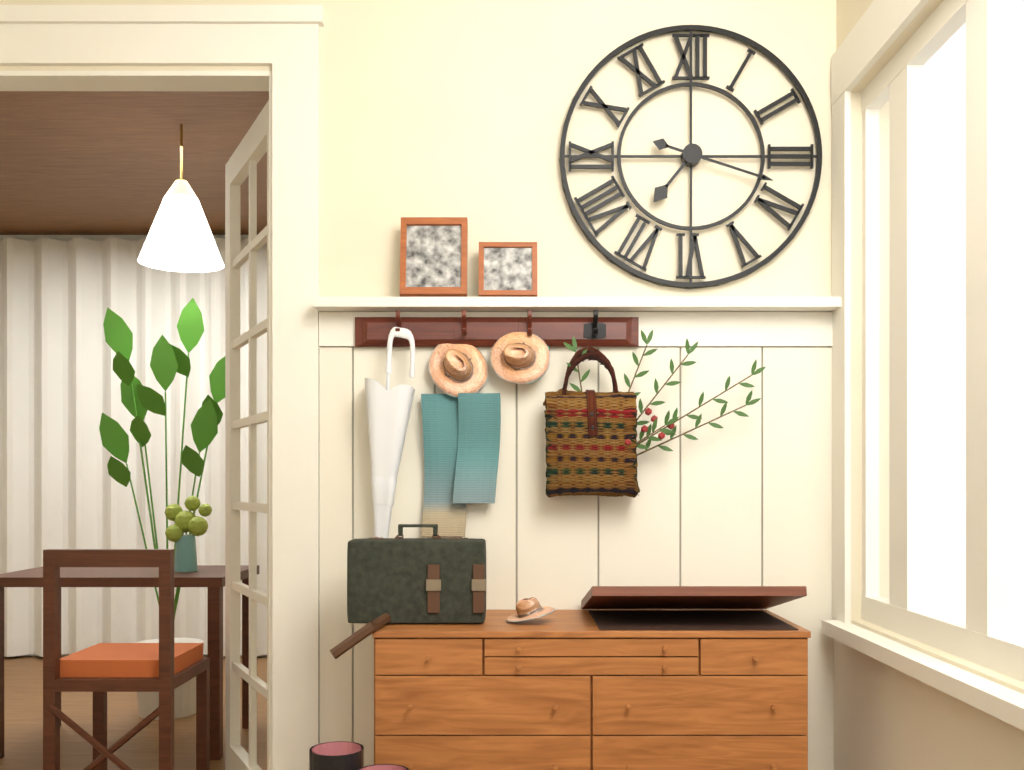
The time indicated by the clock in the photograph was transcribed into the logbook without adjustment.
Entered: 7:18
